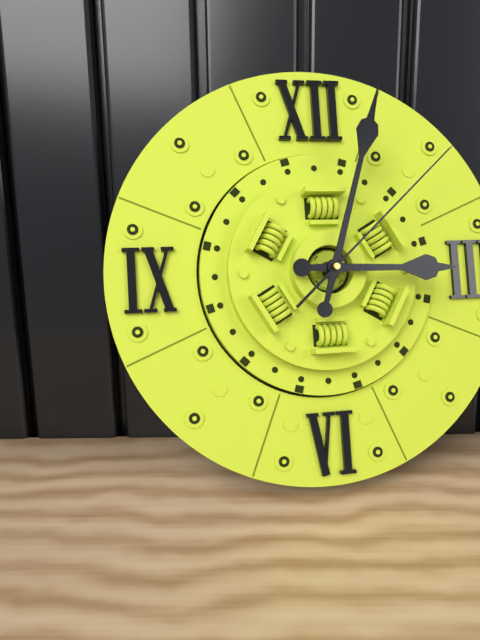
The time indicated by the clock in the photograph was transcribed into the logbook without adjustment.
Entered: 3:03:08
